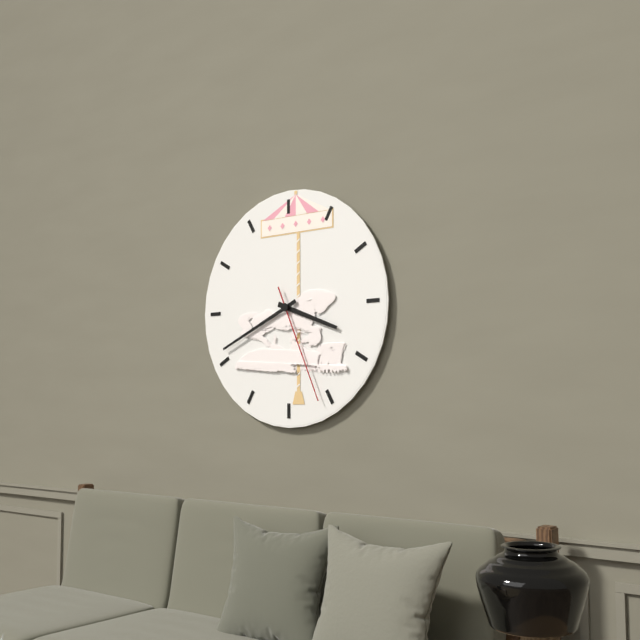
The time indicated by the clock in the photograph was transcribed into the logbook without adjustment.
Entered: 3:41:26
